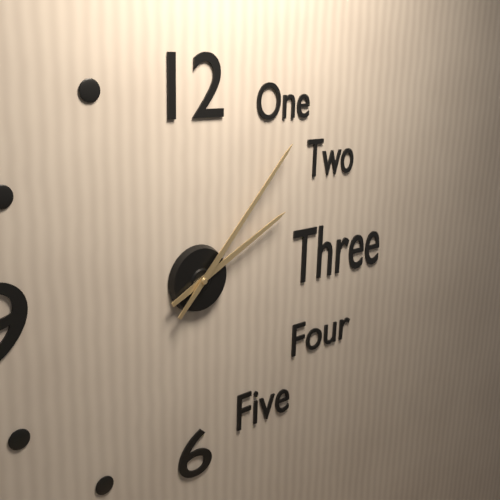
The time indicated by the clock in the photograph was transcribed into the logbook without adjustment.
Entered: 2:07
